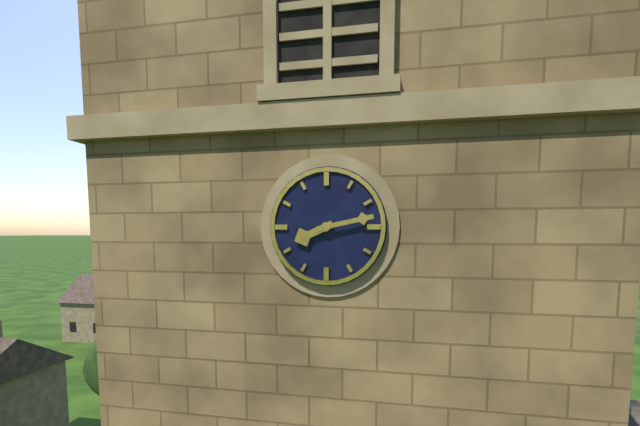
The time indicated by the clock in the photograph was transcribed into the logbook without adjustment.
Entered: 8:13
